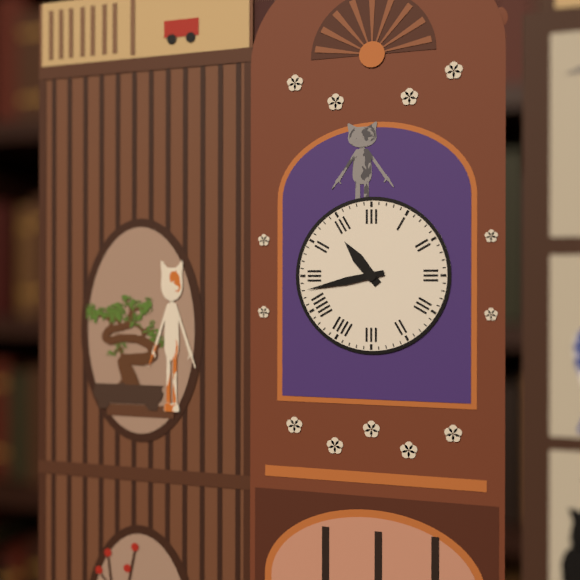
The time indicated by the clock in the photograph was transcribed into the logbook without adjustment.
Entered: 10:43
